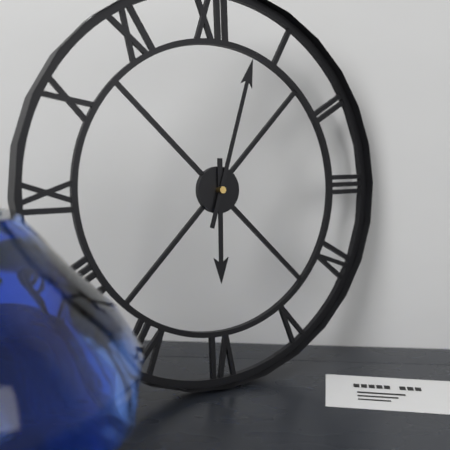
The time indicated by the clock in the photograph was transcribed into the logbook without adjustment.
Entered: 6:03
